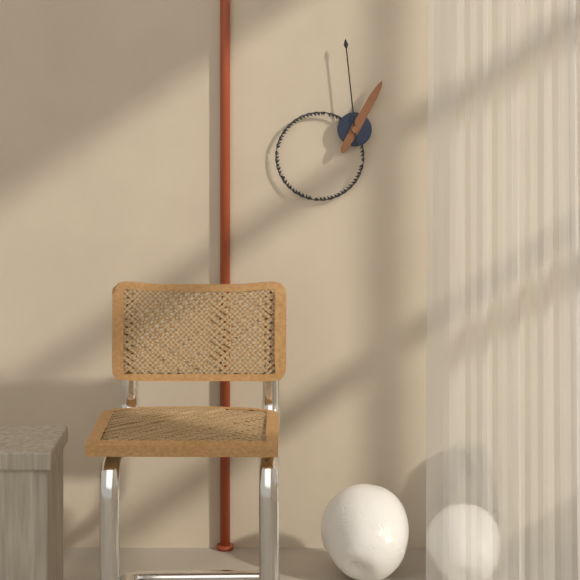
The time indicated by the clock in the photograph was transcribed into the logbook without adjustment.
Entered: 12:59
